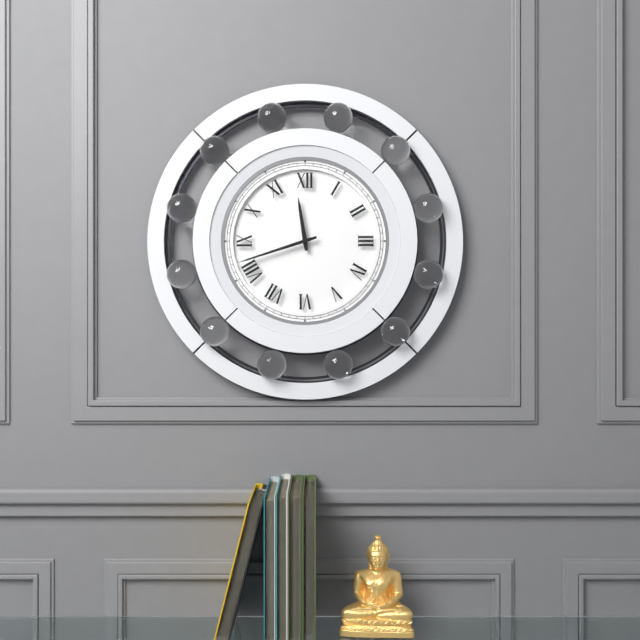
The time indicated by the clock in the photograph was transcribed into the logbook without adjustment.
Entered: 11:42
